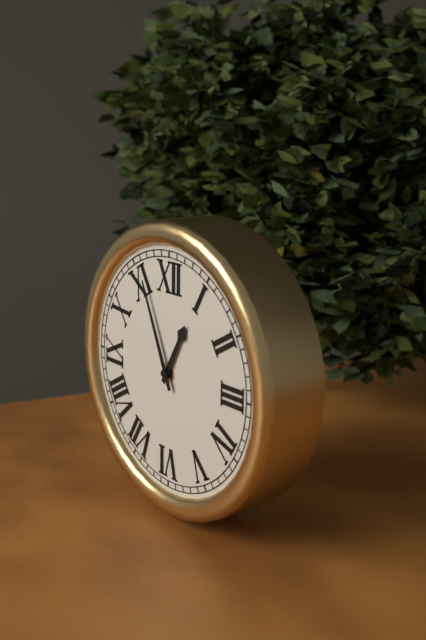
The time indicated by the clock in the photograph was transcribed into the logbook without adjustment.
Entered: 12:56
